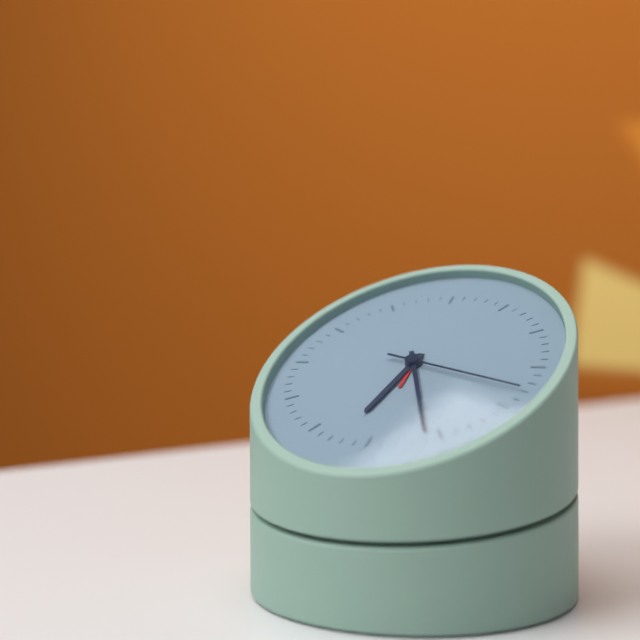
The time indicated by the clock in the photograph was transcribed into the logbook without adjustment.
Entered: 6:26:18
